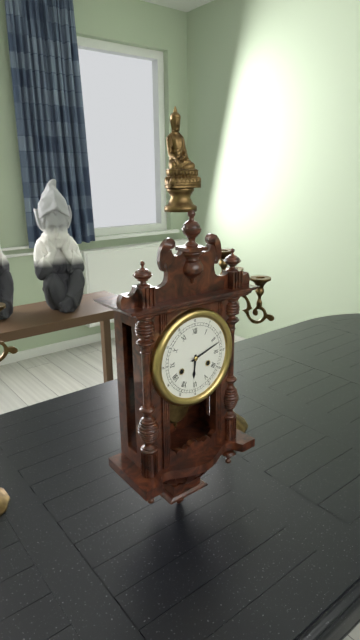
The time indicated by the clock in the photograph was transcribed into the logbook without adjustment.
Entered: 6:12
